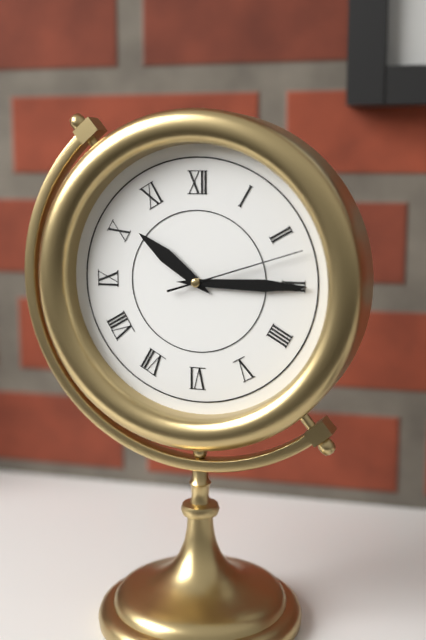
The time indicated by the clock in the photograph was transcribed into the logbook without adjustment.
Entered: 10:15:12
